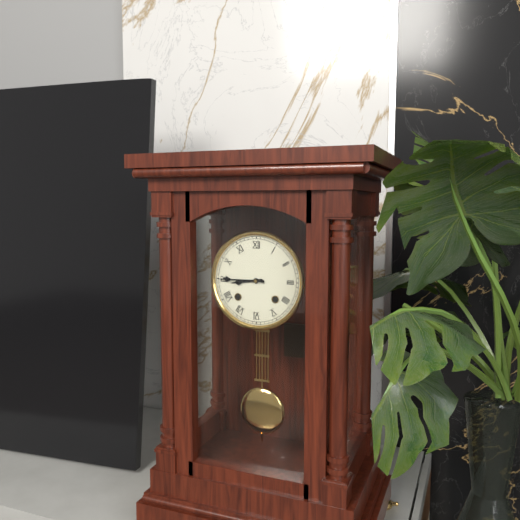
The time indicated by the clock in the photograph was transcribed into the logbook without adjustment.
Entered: 8:45
